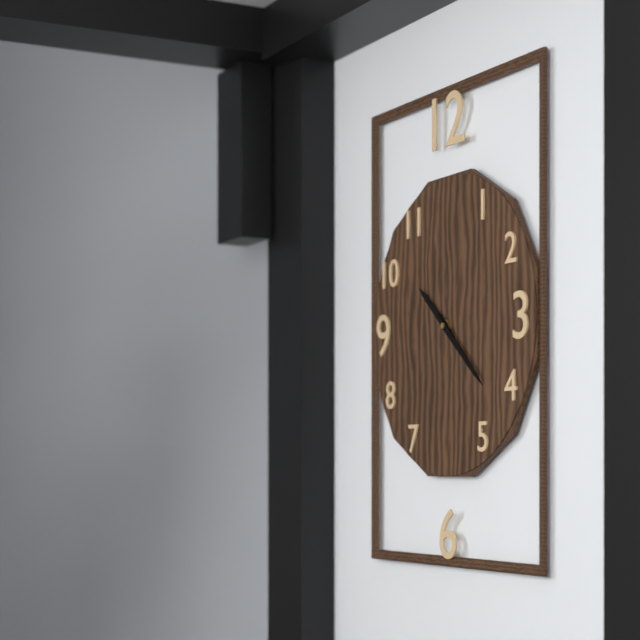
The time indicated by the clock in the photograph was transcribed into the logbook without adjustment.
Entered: 10:22
